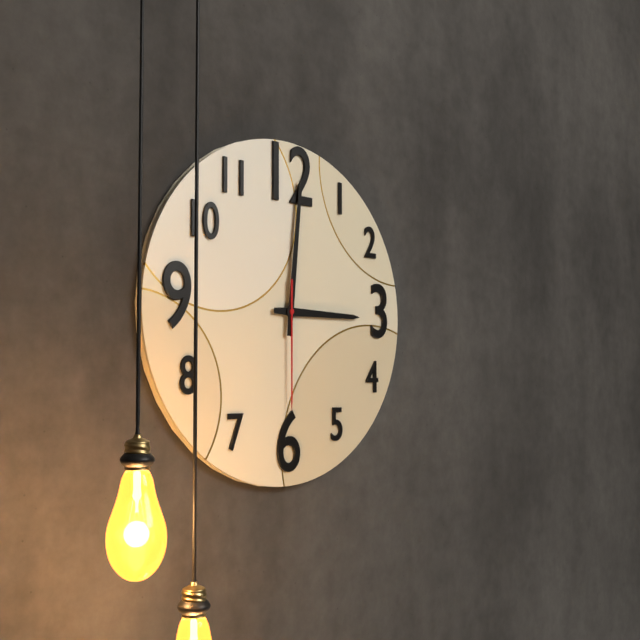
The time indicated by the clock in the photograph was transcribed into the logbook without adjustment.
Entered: 3:01:30
